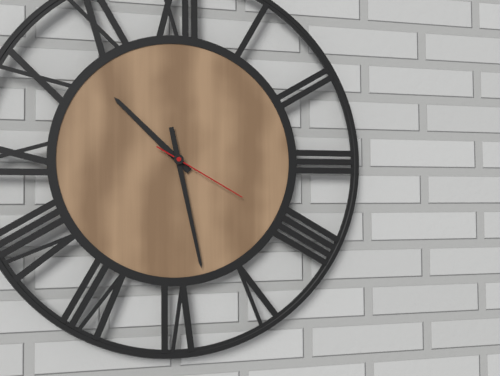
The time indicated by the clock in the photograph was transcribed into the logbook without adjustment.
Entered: 10:28:20
